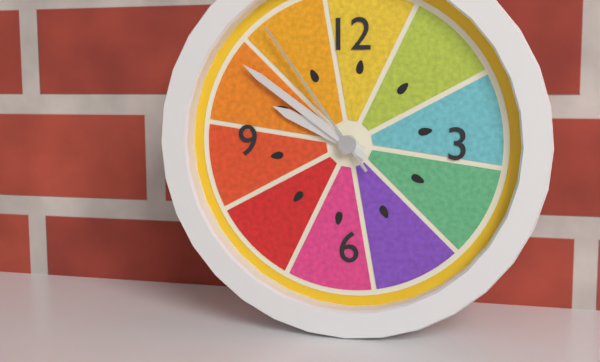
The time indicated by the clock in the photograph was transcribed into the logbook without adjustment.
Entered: 9:51:54
